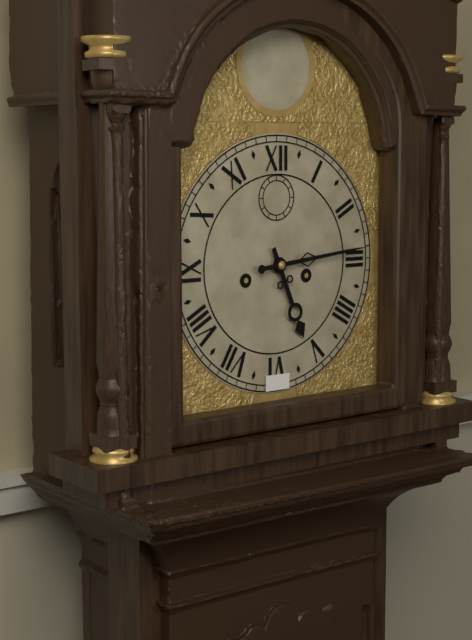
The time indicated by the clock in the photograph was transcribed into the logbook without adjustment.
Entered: 5:14
